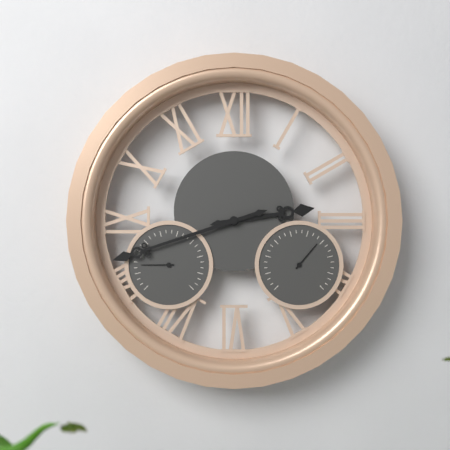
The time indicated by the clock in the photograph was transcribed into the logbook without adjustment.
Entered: 2:42
